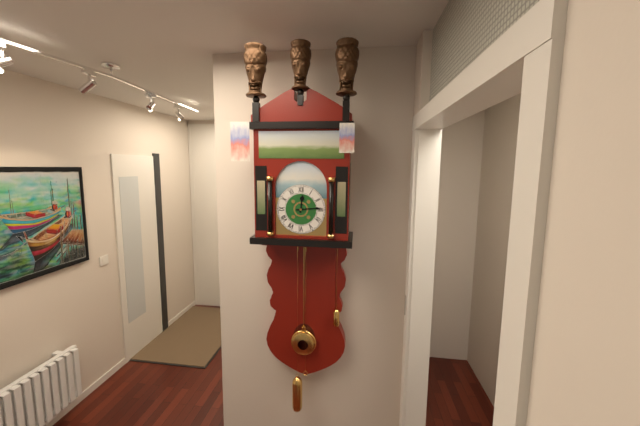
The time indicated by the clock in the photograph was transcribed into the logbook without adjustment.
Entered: 12:14
